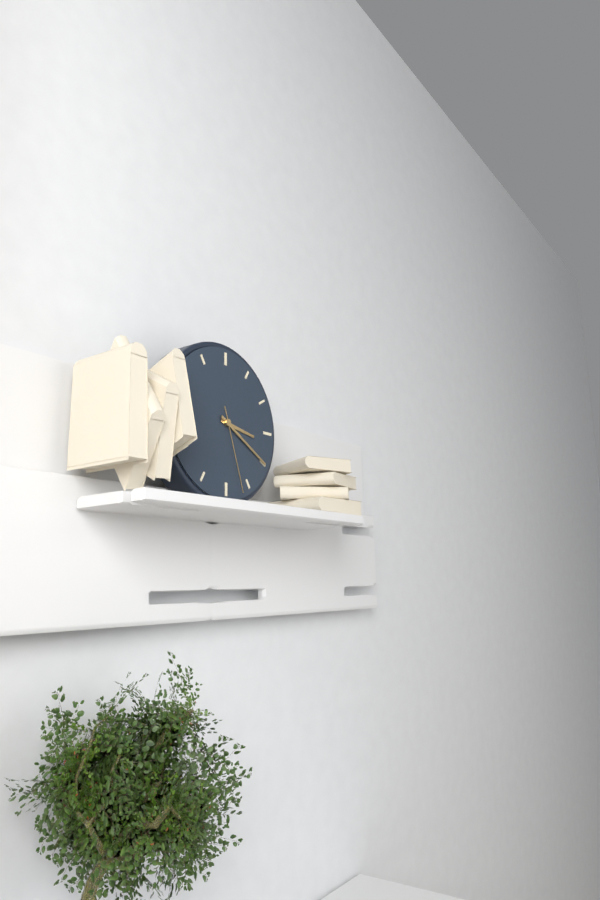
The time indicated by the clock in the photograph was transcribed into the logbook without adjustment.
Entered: 3:20:27
